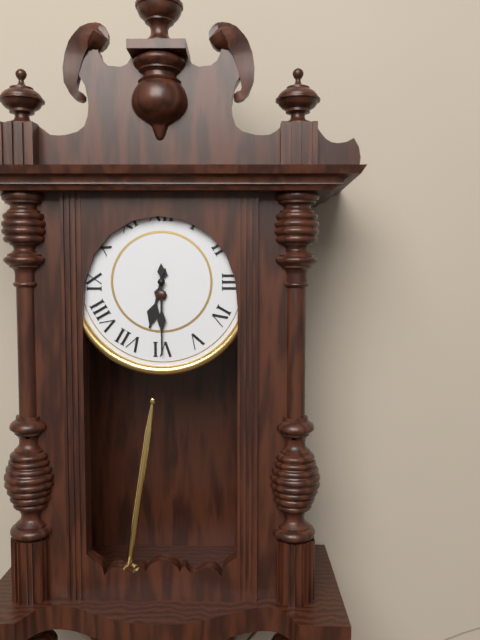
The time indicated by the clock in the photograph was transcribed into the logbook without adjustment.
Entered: 6:30
